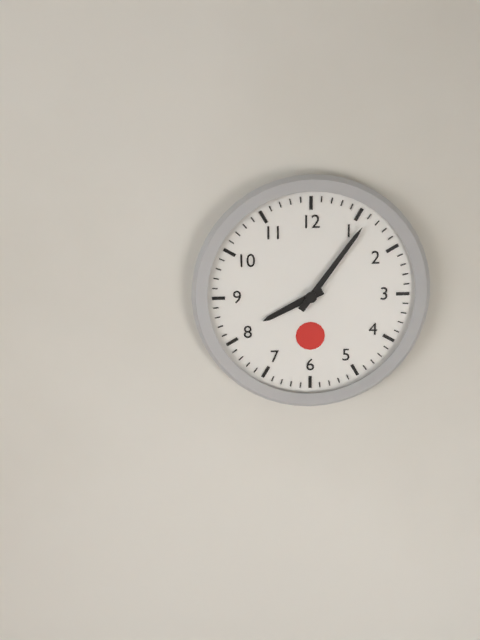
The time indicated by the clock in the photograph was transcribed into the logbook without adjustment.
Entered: 8:06
